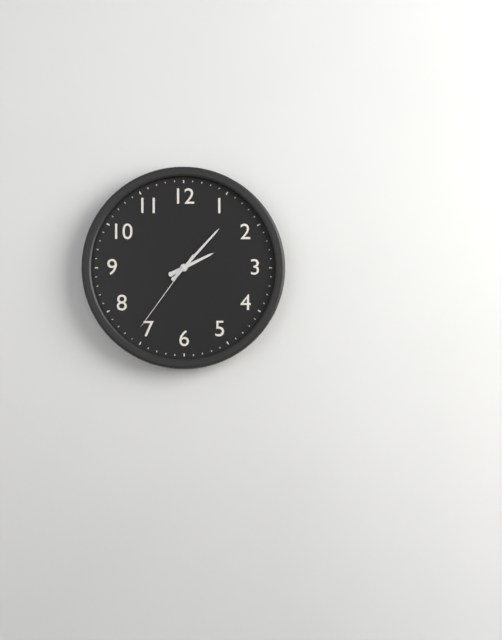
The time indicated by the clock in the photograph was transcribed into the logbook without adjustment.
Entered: 2:07:36
